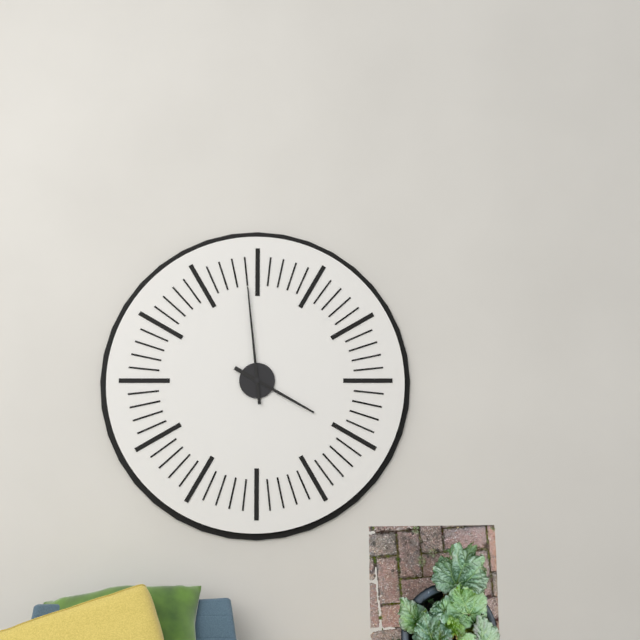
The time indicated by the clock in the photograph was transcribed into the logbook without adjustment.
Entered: 3:59
